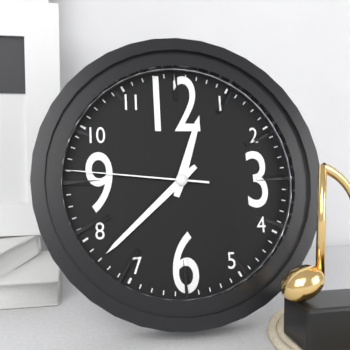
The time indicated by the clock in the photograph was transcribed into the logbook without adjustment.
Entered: 12:38:46
